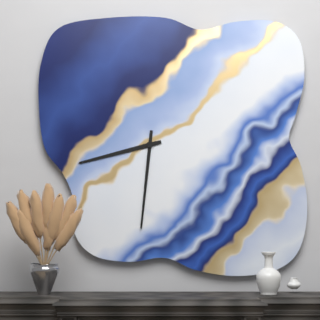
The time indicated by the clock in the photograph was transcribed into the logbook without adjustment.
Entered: 8:31
